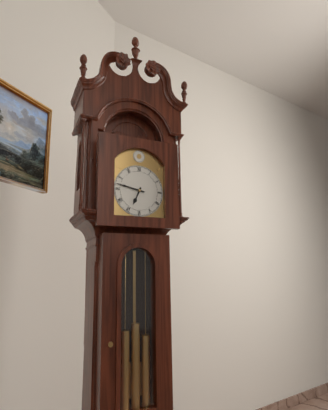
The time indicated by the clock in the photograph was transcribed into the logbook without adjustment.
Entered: 6:47
